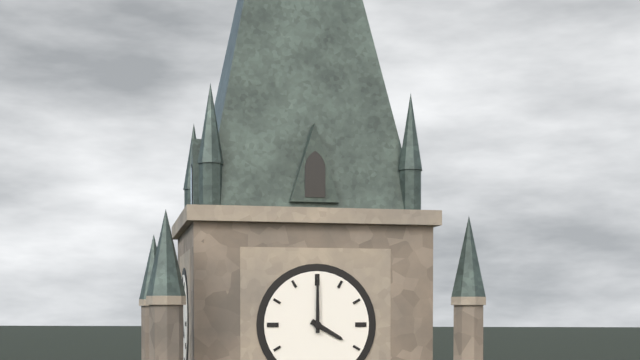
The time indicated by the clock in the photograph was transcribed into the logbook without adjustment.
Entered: 4:00
